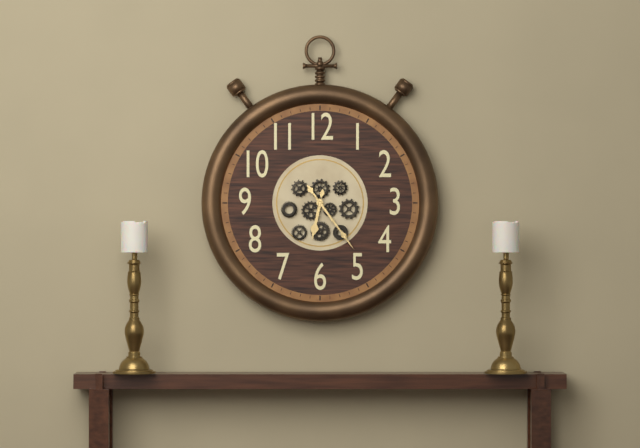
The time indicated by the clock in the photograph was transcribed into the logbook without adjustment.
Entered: 6:24
